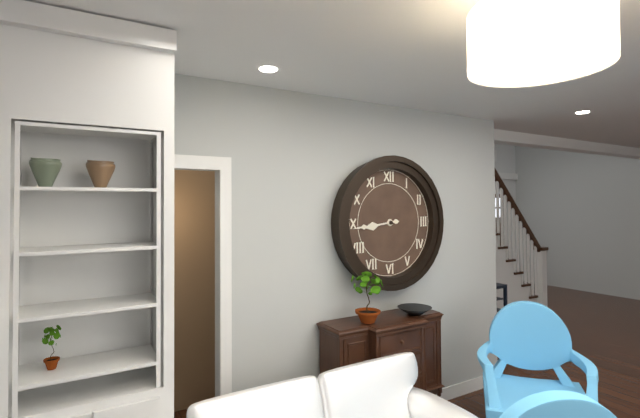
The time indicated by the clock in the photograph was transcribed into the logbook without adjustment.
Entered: 8:44
